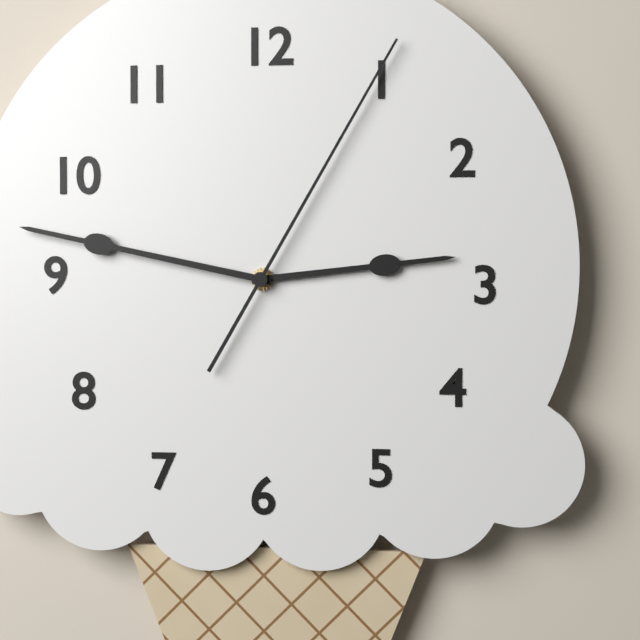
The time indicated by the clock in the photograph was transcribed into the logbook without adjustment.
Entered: 2:47:05
